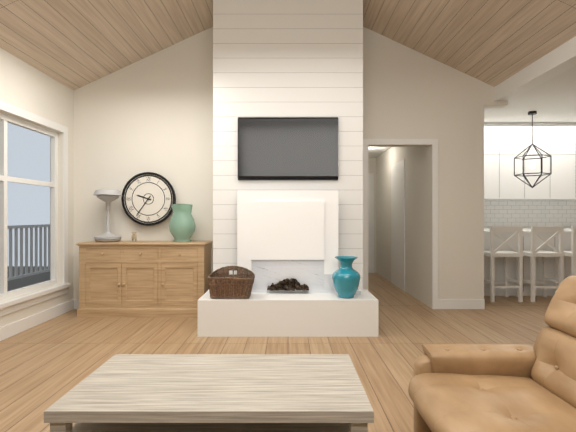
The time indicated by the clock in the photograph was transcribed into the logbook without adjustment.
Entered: 9:36
